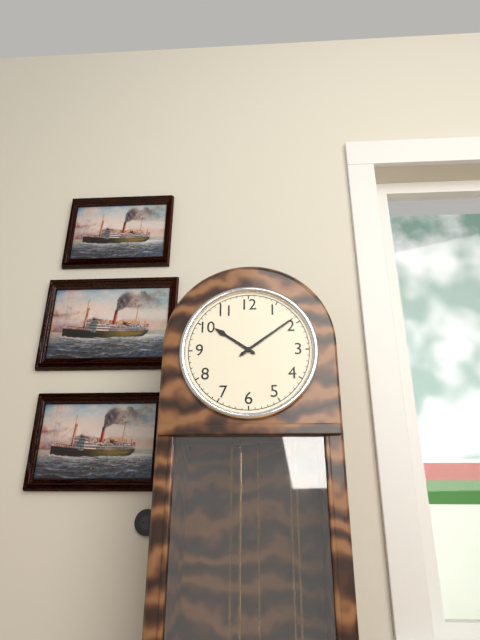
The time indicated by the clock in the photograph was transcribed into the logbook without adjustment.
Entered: 10:09
